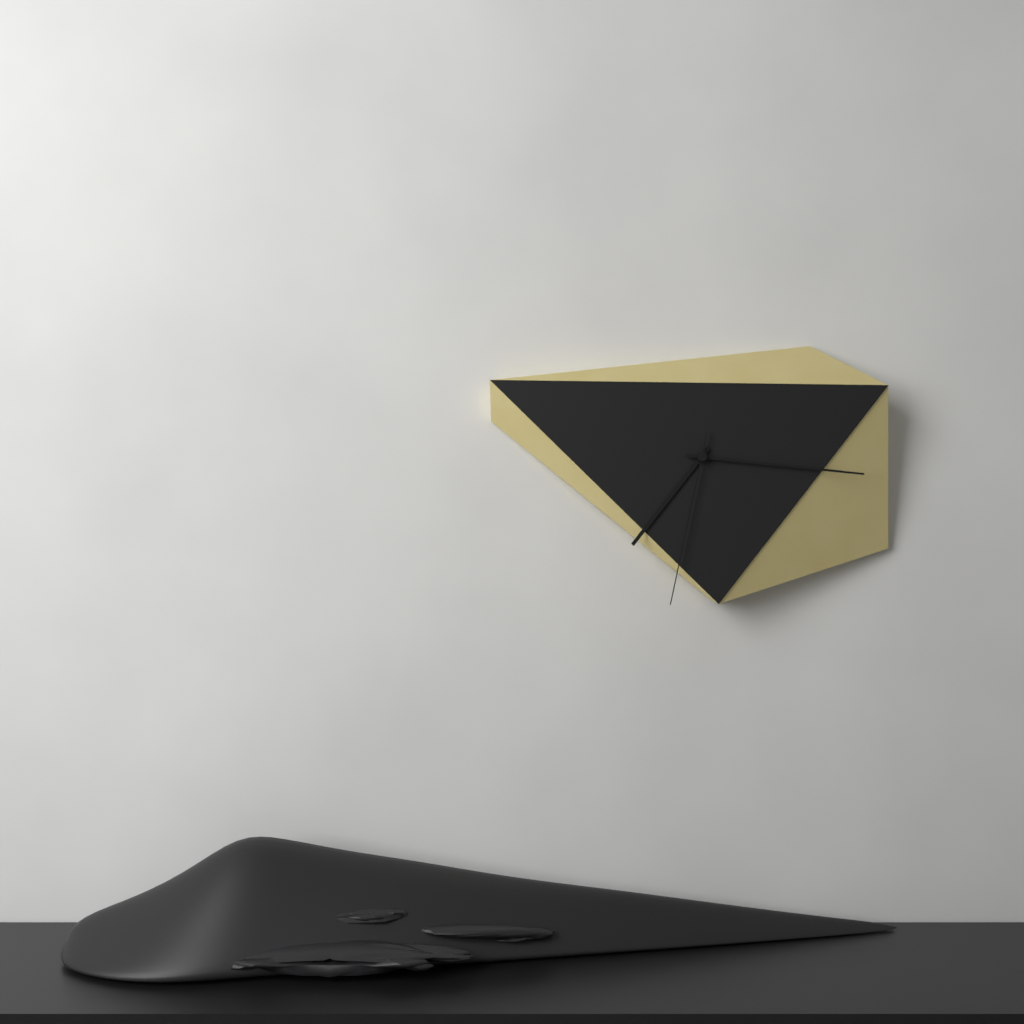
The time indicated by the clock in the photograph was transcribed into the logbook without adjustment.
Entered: 7:16:32
